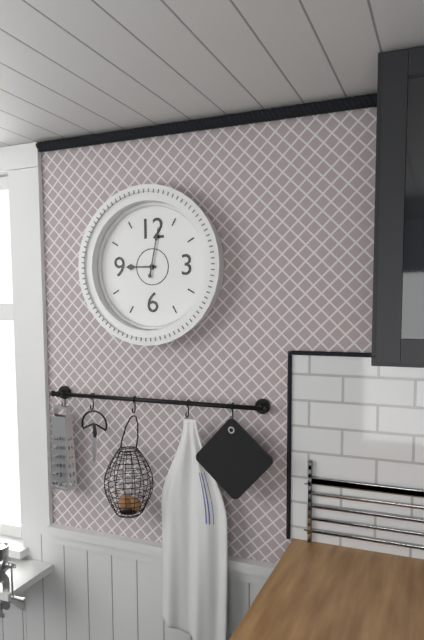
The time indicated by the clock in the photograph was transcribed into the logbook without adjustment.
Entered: 9:02
